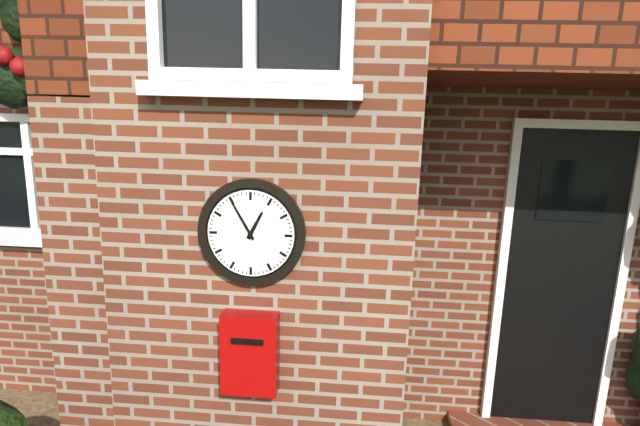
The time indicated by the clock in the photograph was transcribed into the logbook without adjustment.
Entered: 12:55
